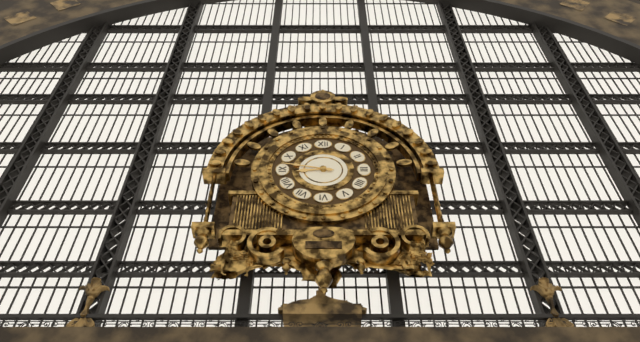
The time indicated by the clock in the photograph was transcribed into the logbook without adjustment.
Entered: 8:47
